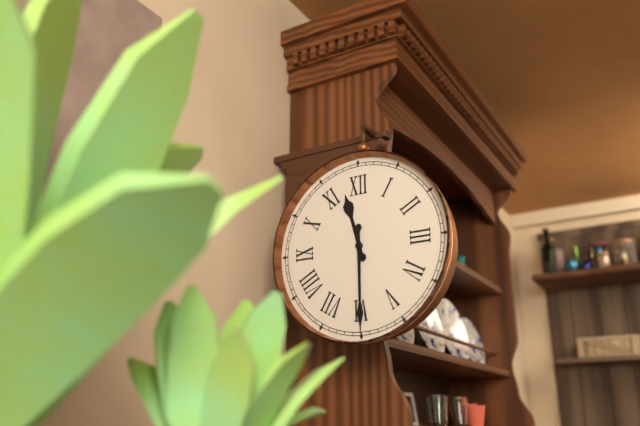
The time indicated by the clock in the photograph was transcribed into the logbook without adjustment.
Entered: 11:30
